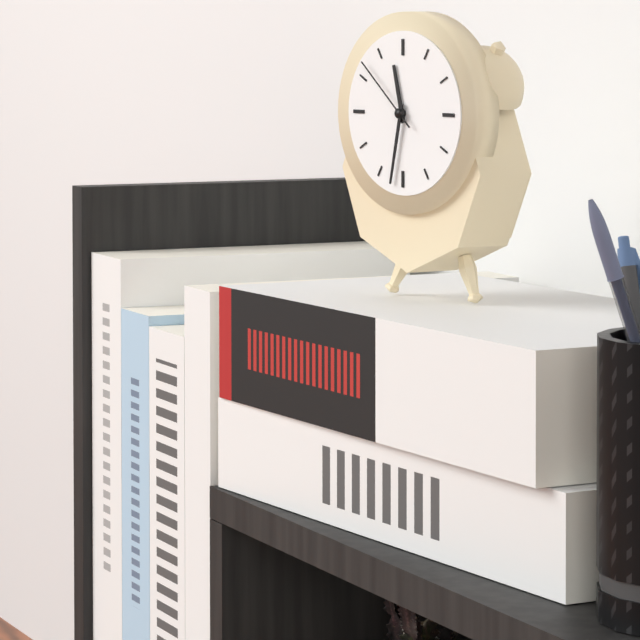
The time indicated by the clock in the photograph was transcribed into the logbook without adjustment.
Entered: 11:32:52
